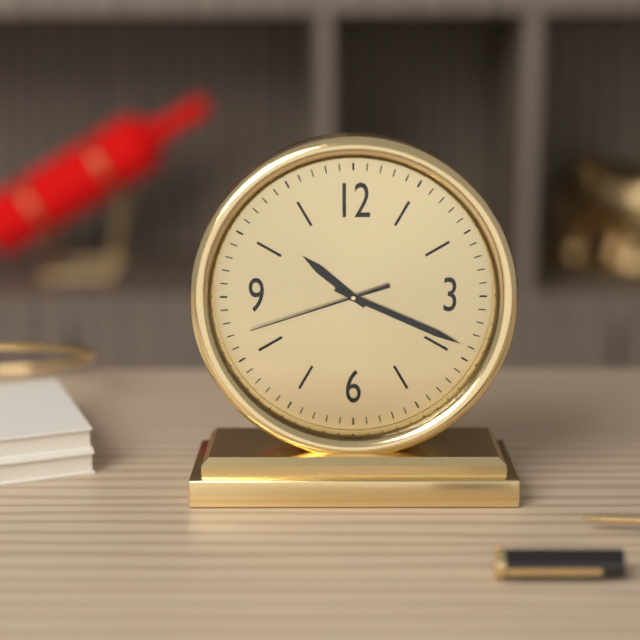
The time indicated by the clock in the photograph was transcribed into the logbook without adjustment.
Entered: 10:19:42
